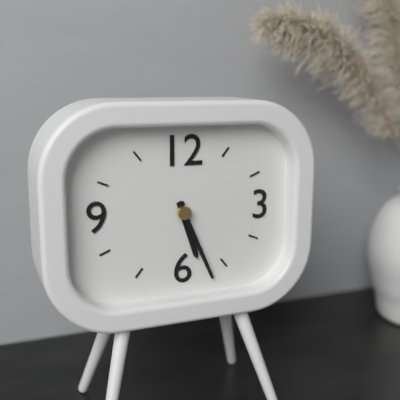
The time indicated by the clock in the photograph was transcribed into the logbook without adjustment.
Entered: 5:26
